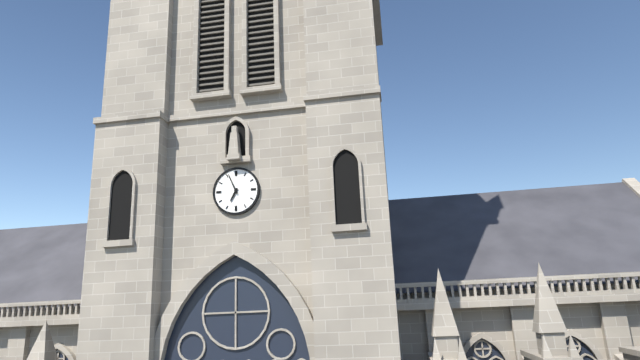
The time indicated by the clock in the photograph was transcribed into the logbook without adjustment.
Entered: 6:56
